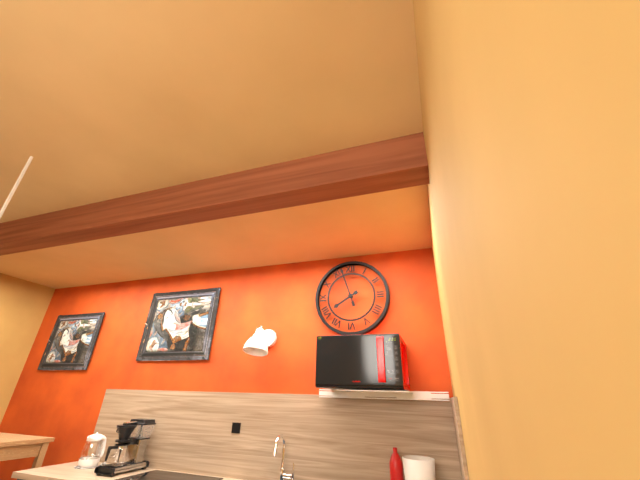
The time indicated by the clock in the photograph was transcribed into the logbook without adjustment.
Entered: 7:57
